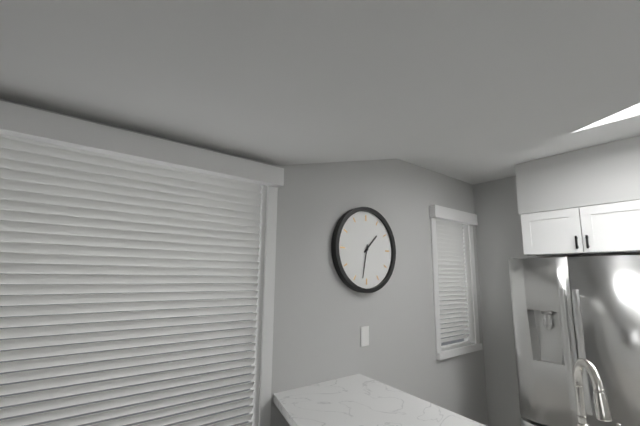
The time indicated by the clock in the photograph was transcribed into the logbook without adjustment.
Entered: 1:32
